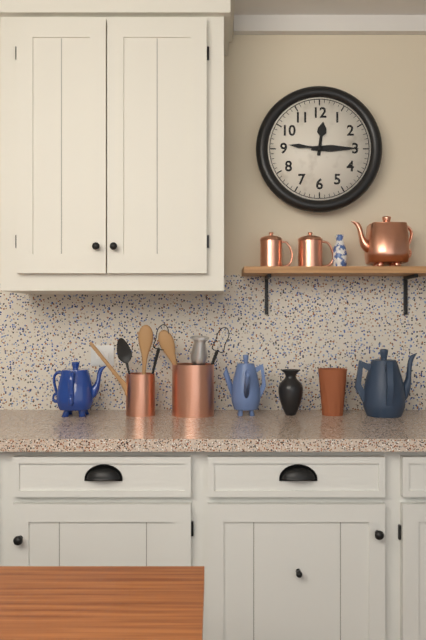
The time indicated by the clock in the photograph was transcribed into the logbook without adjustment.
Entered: 12:15
